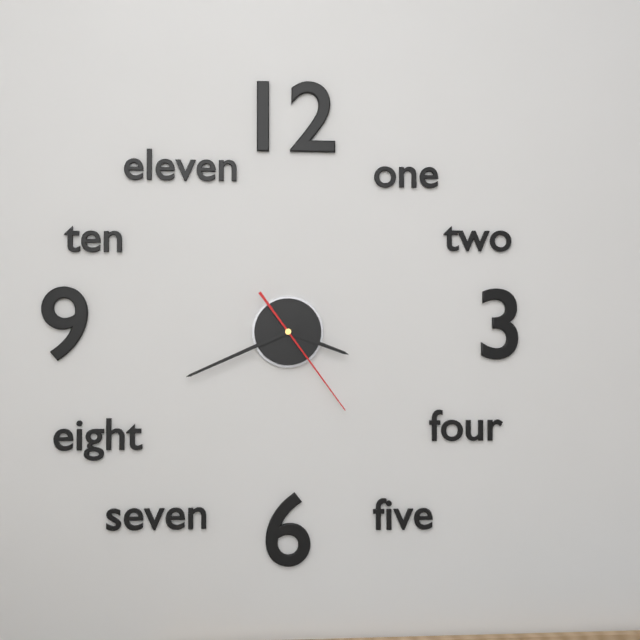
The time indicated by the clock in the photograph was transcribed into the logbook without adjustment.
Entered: 3:41:24
